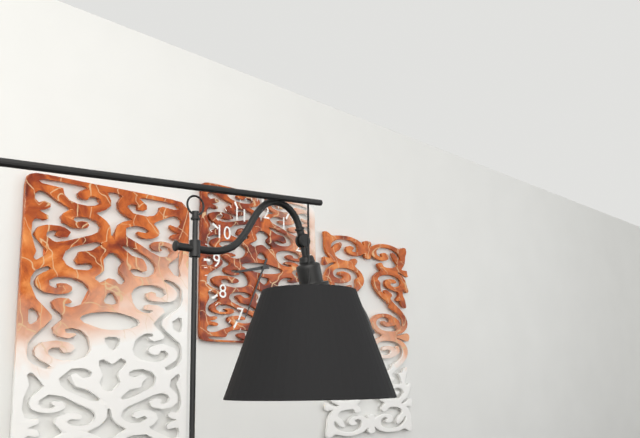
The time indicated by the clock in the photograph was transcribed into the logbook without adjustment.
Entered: 8:34
